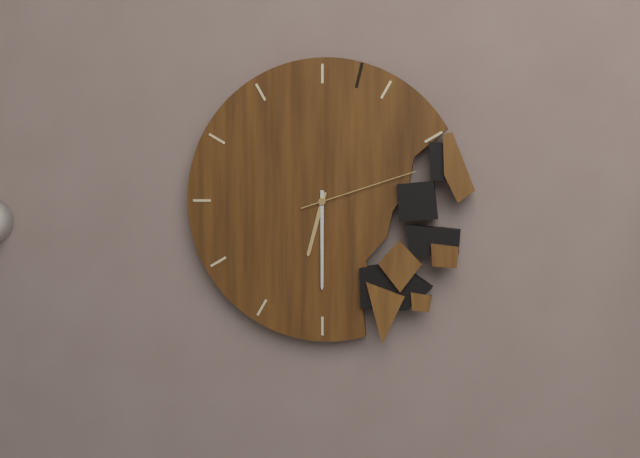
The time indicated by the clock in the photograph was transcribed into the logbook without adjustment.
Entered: 6:30:12
